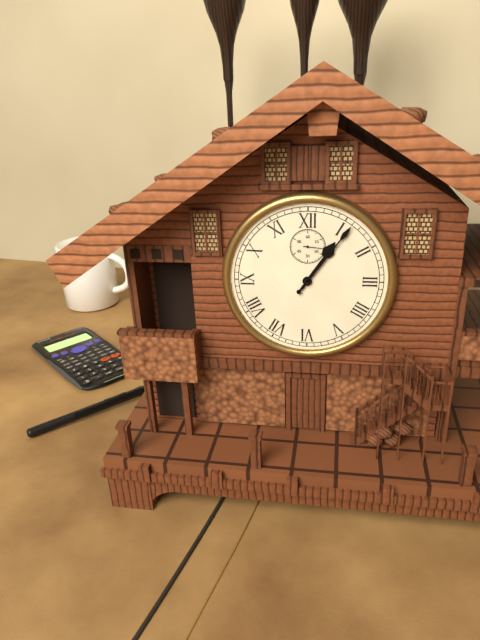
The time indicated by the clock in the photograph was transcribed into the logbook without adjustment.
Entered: 1:06
